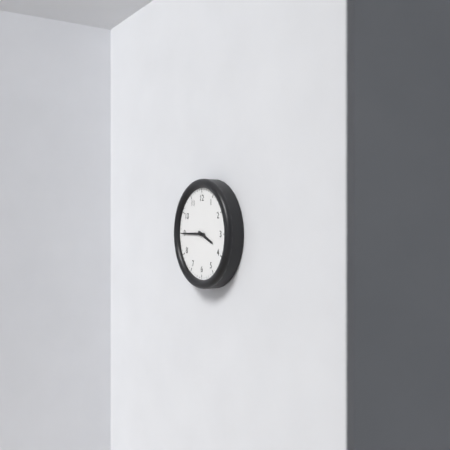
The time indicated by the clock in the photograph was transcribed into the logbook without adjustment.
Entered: 3:45
